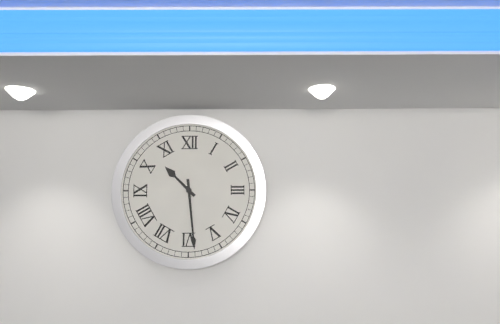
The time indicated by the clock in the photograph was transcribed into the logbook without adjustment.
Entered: 10:29
